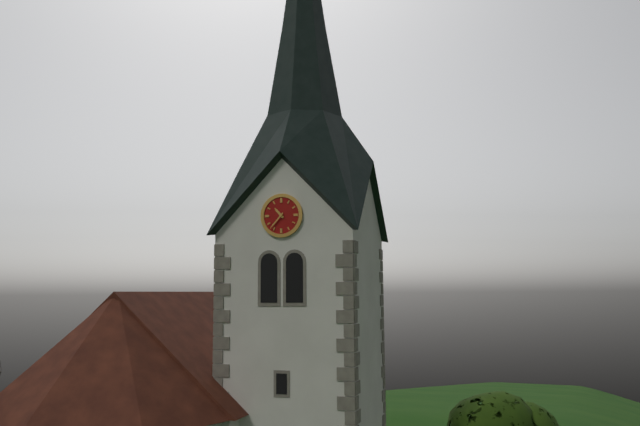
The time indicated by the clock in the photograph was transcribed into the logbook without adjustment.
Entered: 10:37
